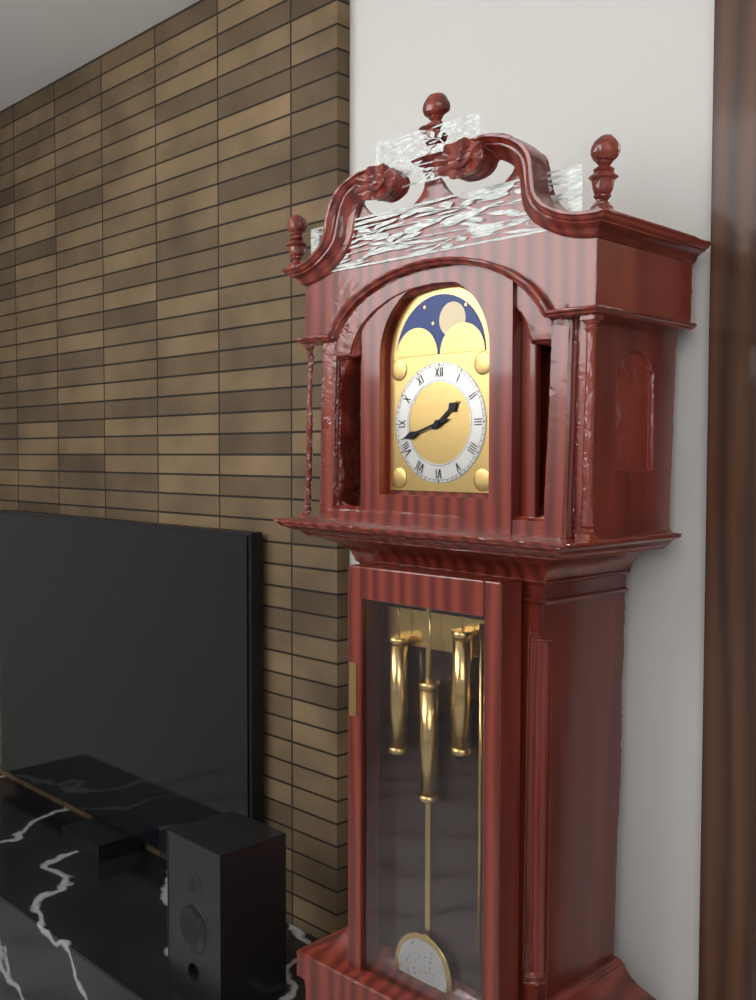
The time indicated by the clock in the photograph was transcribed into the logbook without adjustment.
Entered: 1:42
